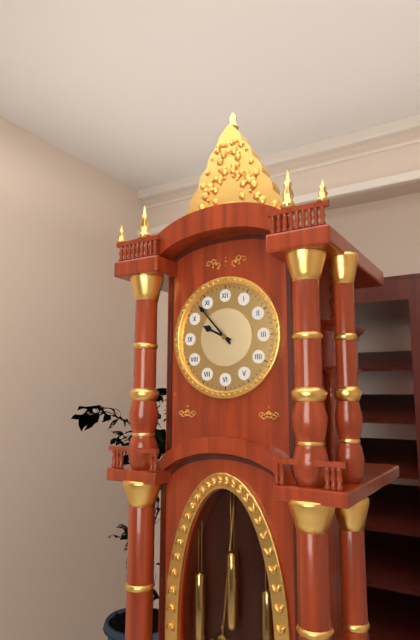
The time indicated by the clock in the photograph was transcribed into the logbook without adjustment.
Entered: 9:53
